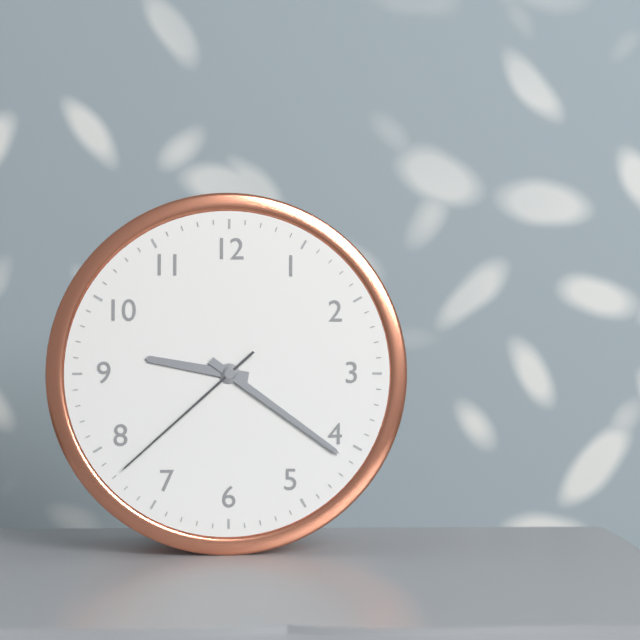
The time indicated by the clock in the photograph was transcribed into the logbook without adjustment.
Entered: 9:21:38
